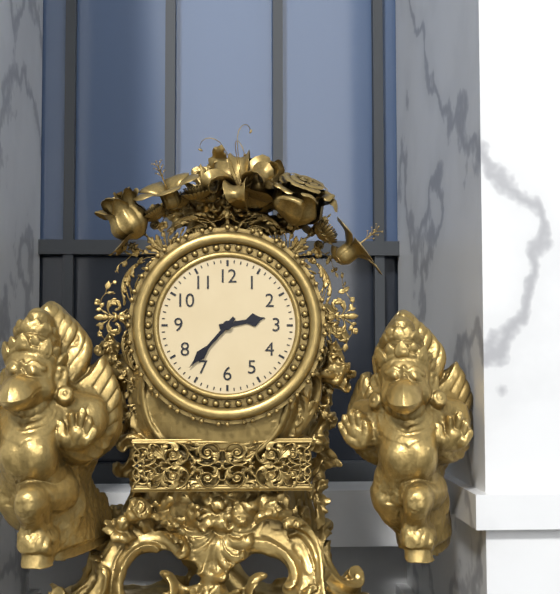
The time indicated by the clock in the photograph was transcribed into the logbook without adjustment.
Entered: 2:37
